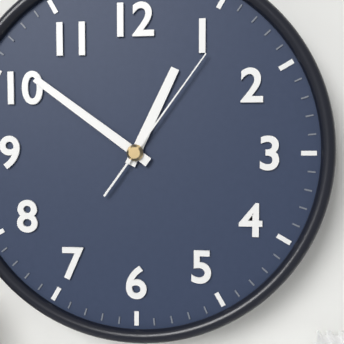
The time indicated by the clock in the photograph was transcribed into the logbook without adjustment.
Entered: 12:51:06
